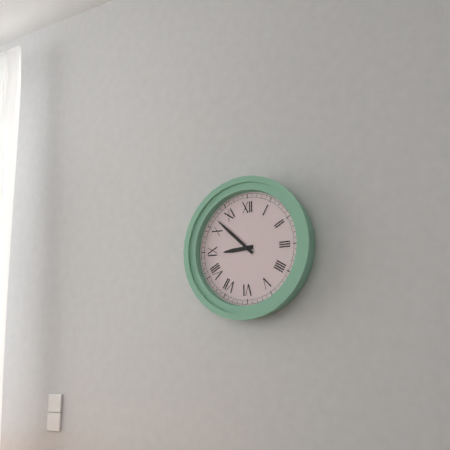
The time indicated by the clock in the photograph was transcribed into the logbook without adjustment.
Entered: 8:52
